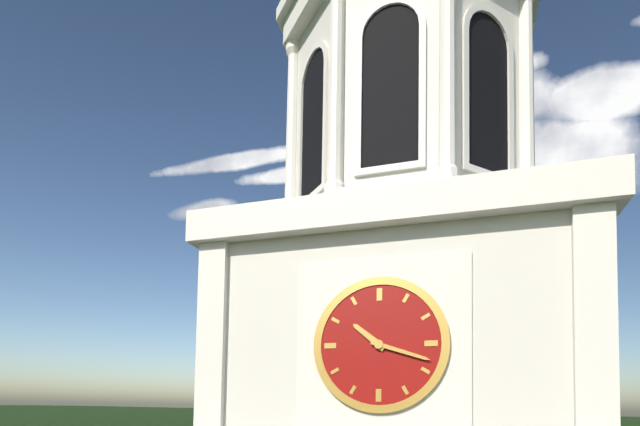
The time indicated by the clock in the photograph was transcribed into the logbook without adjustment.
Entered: 10:18
